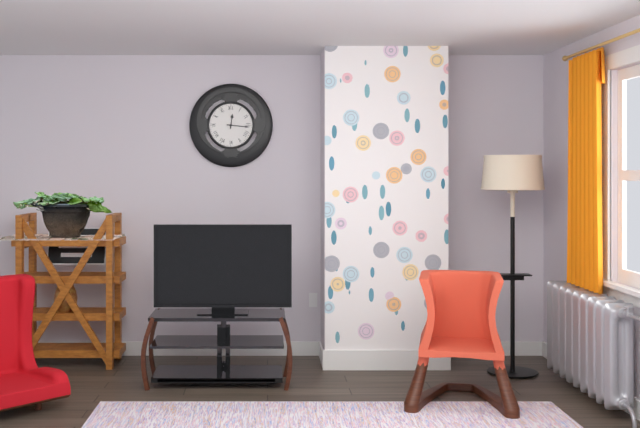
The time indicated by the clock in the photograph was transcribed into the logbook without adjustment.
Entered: 12:16
